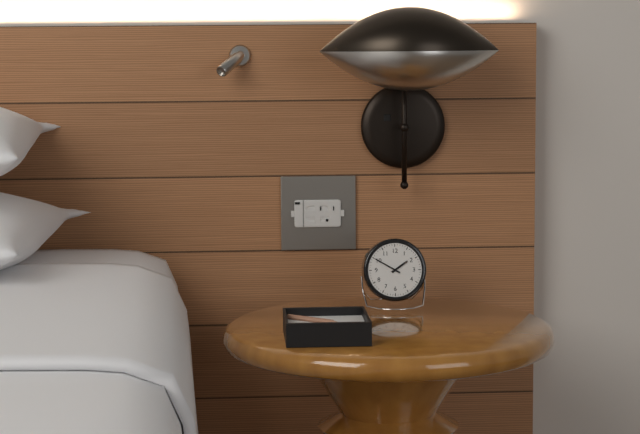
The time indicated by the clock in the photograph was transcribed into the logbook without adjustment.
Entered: 1:50
